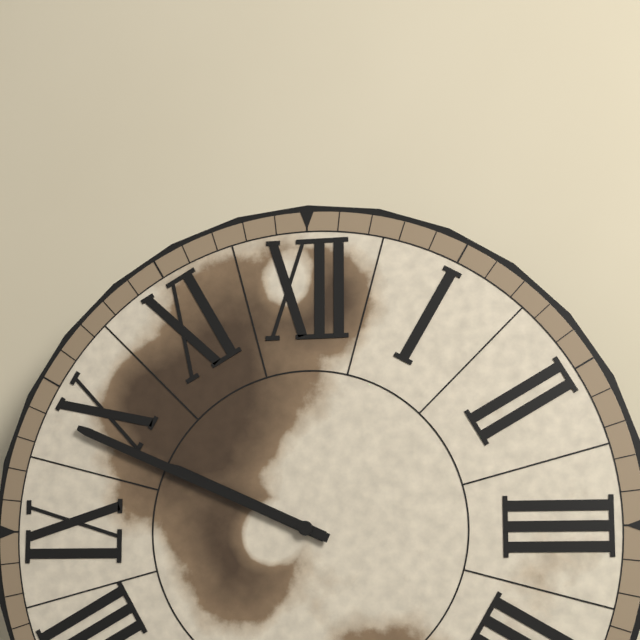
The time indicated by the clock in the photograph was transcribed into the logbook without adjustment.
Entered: 9:49
